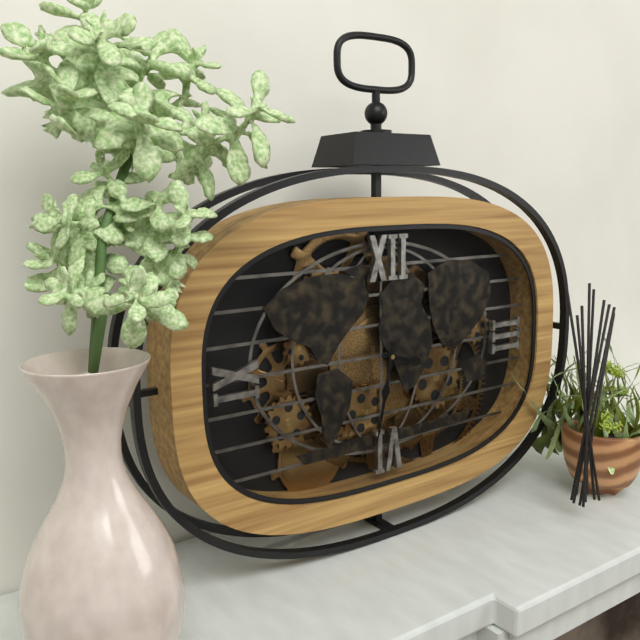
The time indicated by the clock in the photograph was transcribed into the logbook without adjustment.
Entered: 3:32
